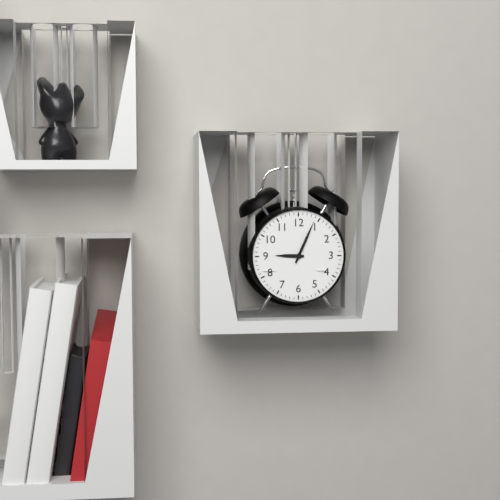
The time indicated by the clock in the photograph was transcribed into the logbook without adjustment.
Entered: 9:04
